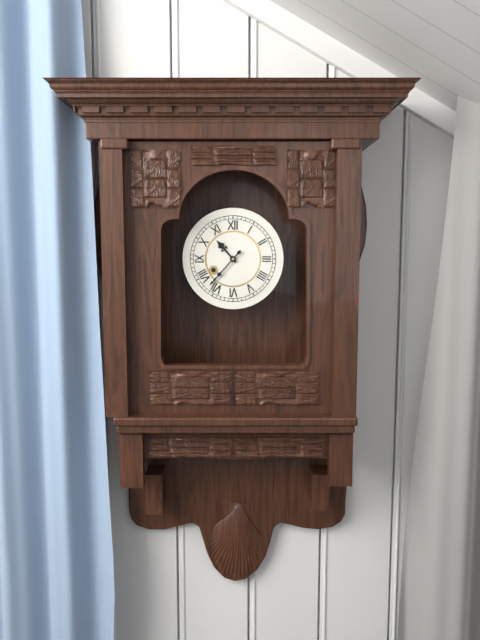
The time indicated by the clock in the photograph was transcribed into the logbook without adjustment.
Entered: 10:37
